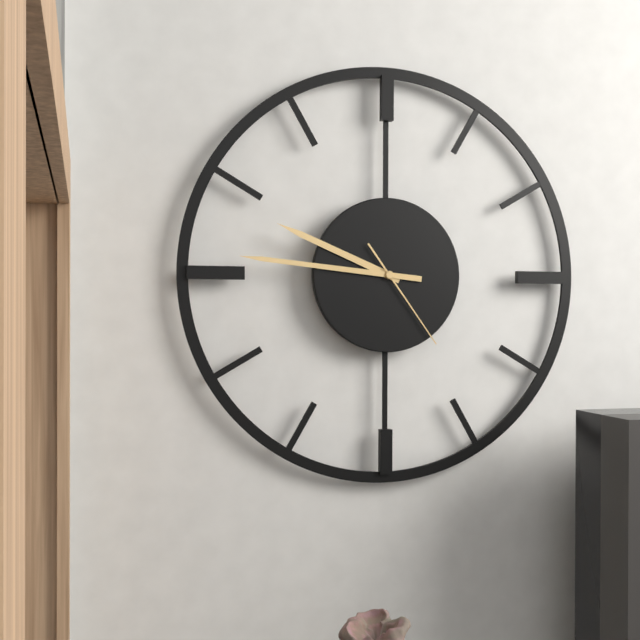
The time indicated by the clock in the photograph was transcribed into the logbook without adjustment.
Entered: 9:46:24
